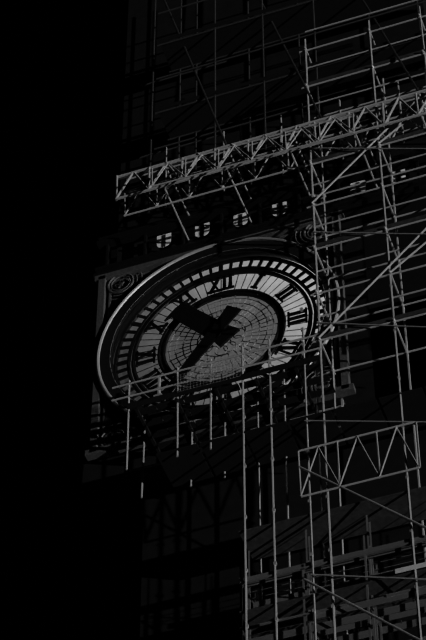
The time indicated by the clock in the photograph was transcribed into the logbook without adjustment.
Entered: 10:36
